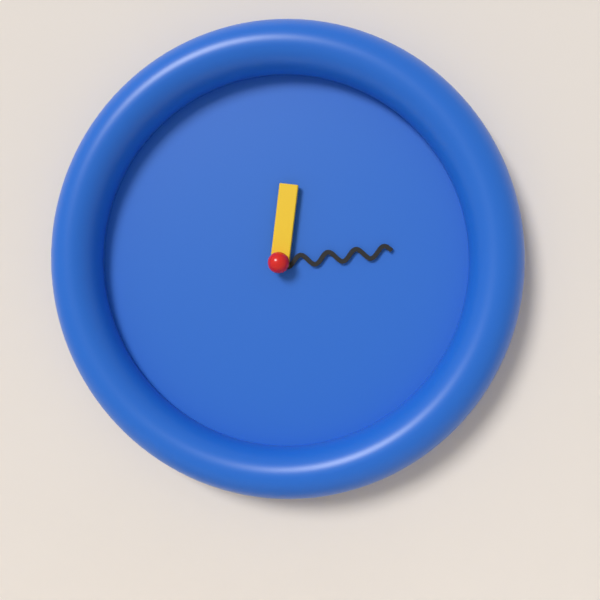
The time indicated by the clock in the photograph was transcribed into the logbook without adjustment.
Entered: 12:14
